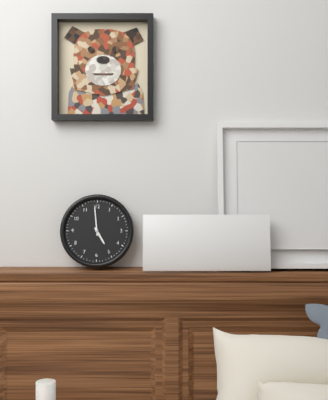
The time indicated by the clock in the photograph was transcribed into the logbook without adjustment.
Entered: 4:59
